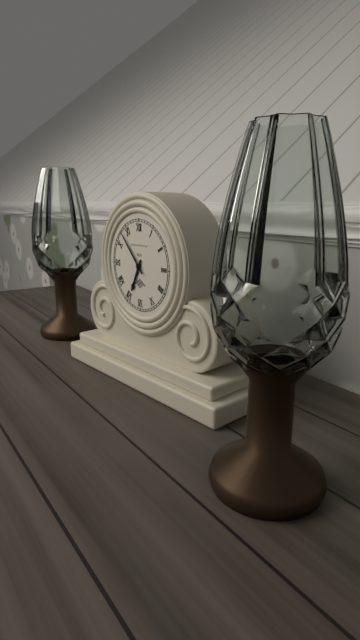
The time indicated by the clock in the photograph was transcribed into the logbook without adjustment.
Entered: 6:53
